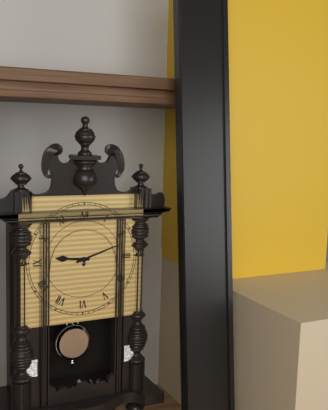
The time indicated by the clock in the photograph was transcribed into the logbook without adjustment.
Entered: 9:12
